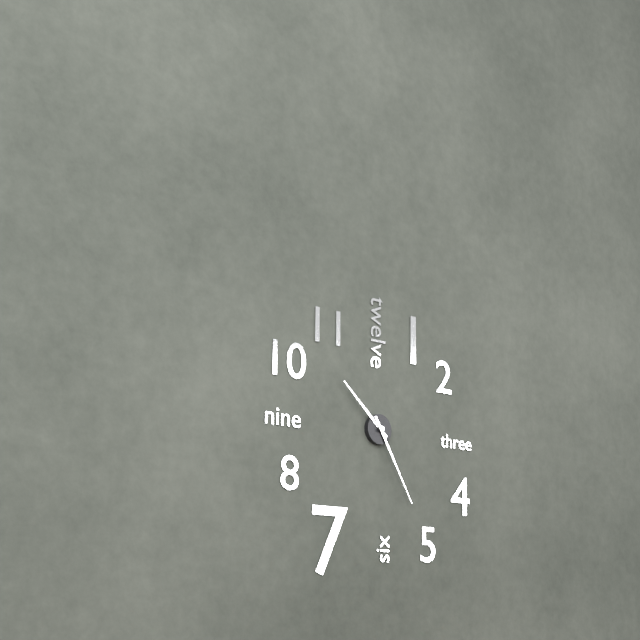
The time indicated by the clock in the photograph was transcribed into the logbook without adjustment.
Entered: 10:25
